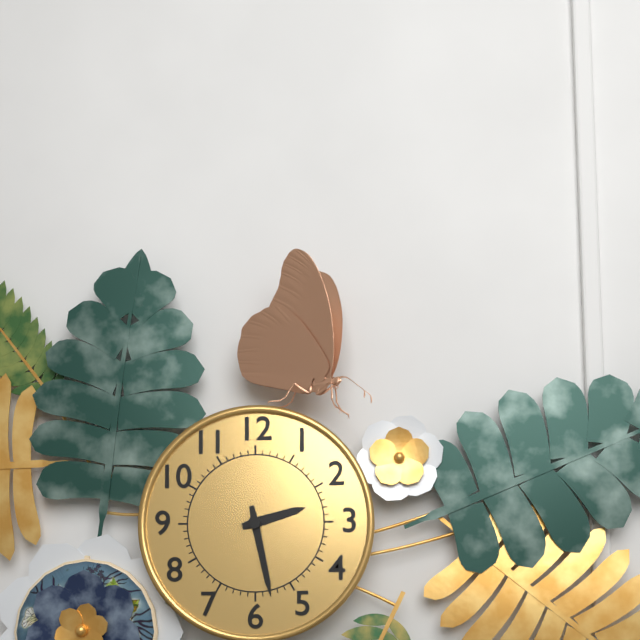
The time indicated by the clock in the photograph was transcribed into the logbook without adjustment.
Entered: 2:28
